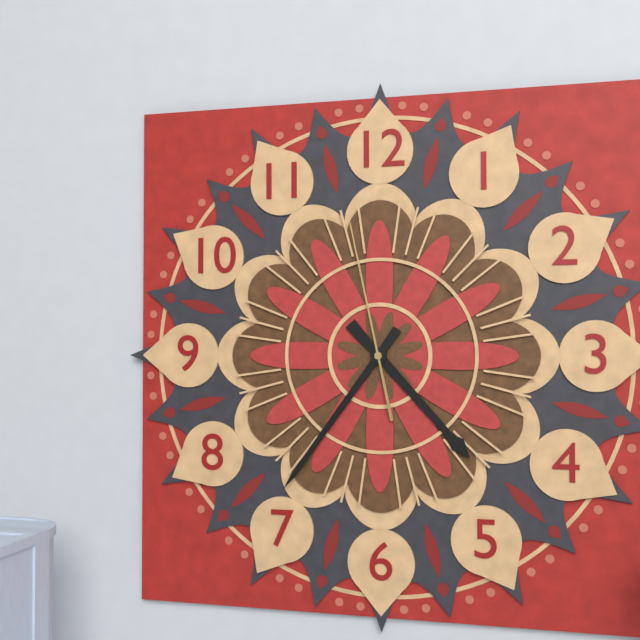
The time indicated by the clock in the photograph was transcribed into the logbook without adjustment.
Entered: 4:36:58
